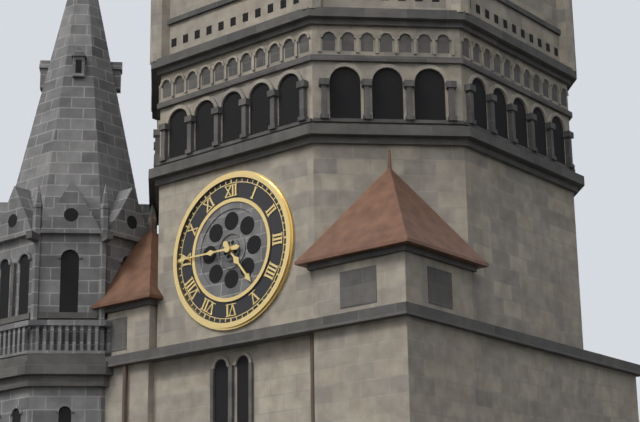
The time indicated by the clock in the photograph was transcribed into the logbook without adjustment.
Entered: 4:45
